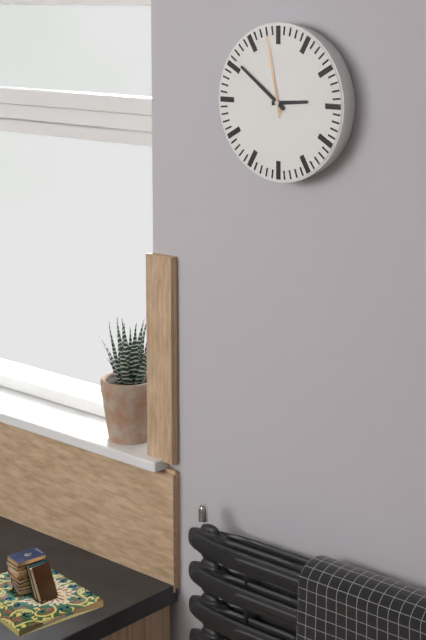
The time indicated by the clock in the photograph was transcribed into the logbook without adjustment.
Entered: 2:51:58
